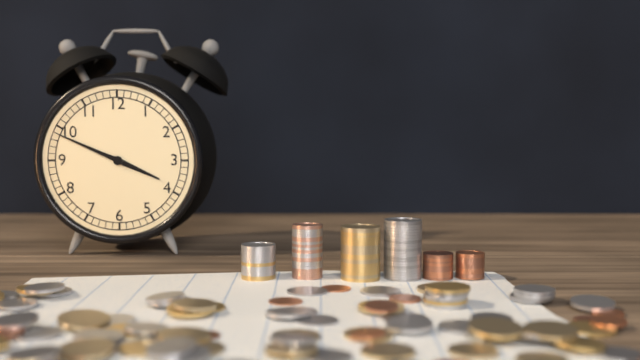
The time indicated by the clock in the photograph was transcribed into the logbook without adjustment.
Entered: 3:49
